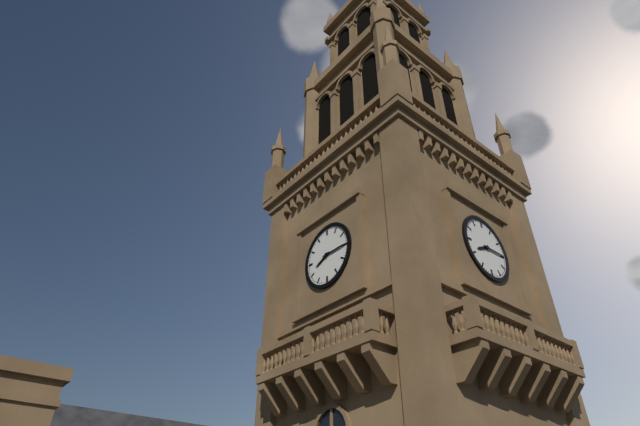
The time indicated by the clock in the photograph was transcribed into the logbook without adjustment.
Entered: 8:15
